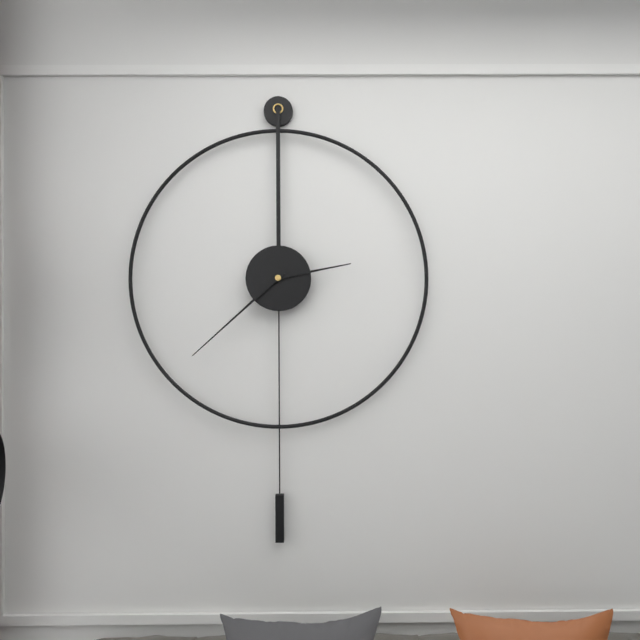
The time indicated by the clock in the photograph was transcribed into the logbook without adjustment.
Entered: 2:38
